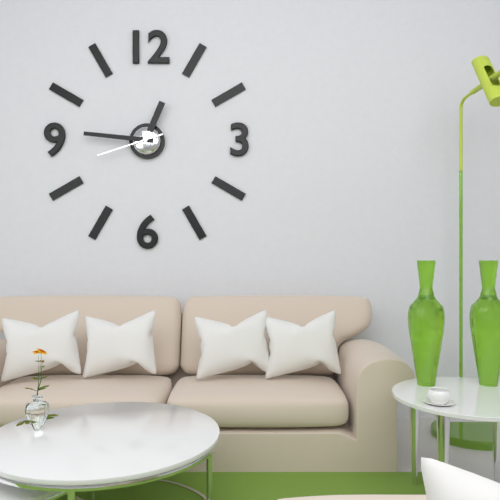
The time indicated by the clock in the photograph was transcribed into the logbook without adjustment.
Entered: 12:46:42
